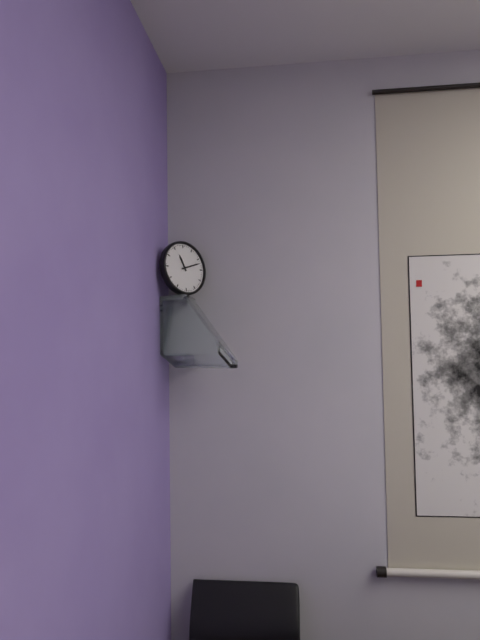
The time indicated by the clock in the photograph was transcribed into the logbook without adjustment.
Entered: 11:12
